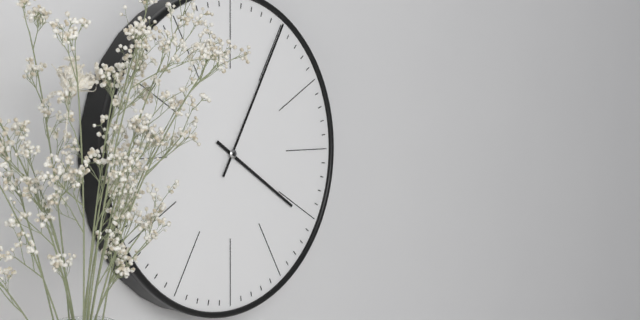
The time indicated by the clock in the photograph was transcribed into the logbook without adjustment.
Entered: 4:05
